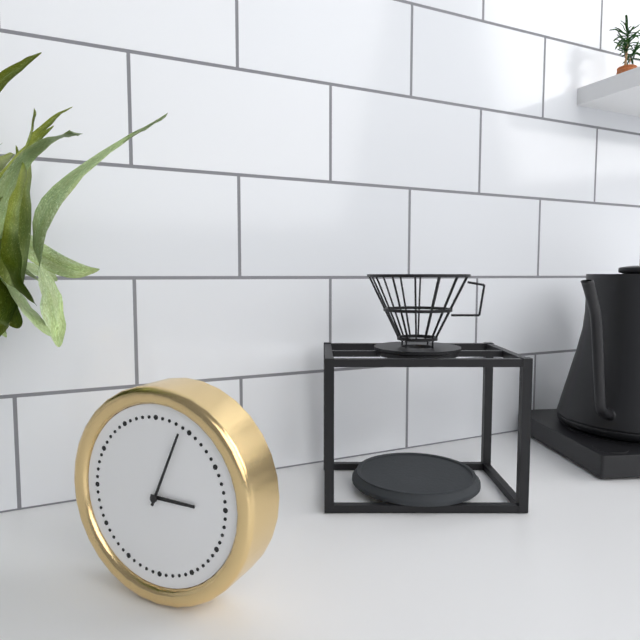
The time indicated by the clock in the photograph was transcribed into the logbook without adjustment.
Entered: 3:04
